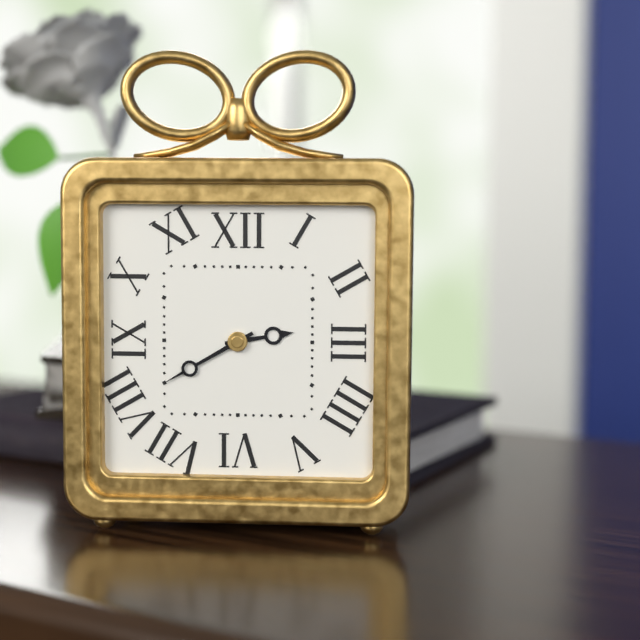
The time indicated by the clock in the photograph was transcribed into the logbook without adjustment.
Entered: 2:40
